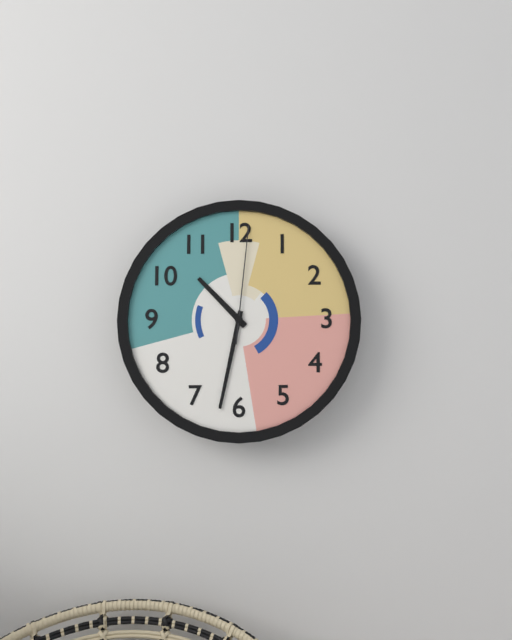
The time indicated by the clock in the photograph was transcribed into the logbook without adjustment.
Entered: 10:32:01
